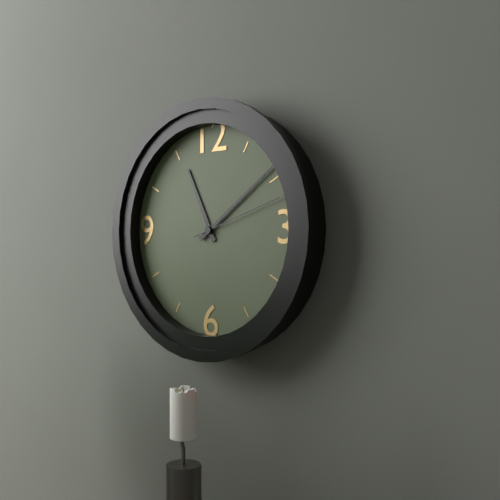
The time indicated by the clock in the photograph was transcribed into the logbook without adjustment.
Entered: 11:09:12
